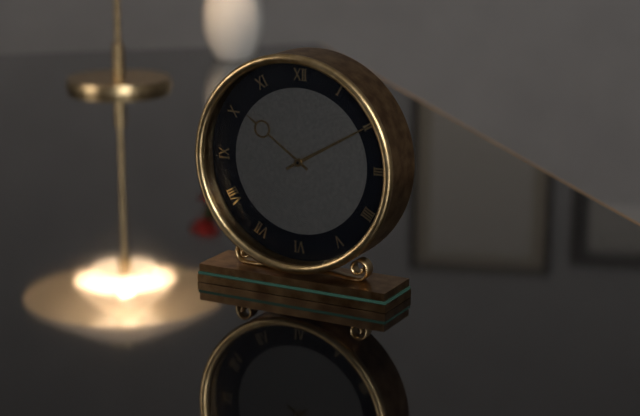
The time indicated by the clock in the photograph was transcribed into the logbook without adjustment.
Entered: 10:10
